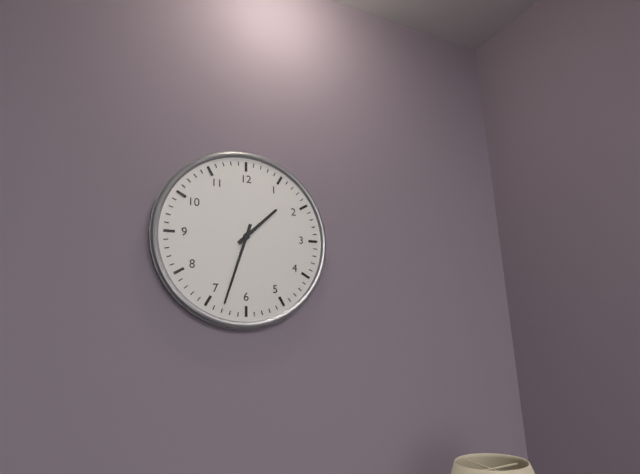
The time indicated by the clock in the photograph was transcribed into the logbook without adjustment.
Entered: 1:33
